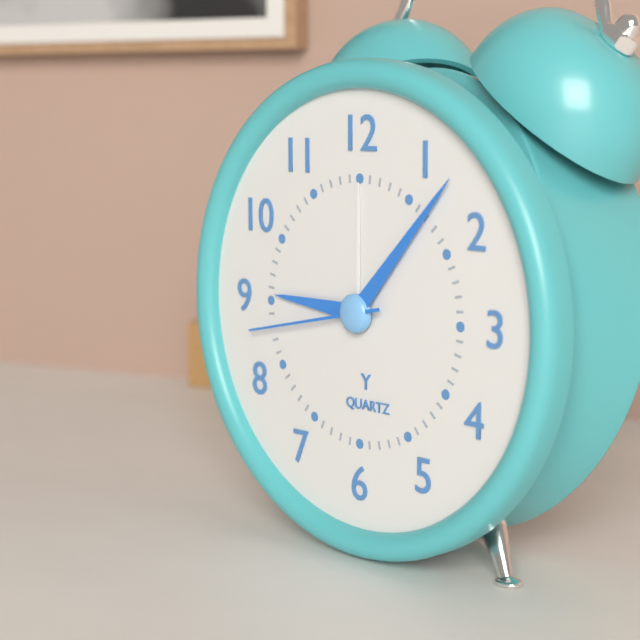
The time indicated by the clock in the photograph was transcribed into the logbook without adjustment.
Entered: 9:07:43
